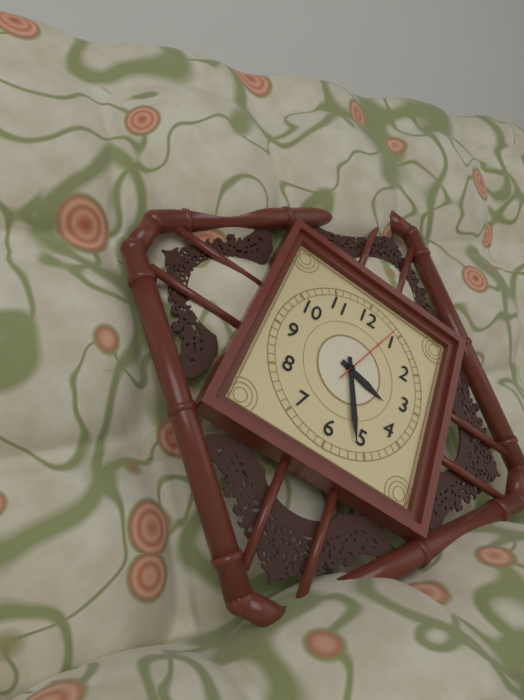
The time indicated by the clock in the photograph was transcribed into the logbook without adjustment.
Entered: 3:26:04
